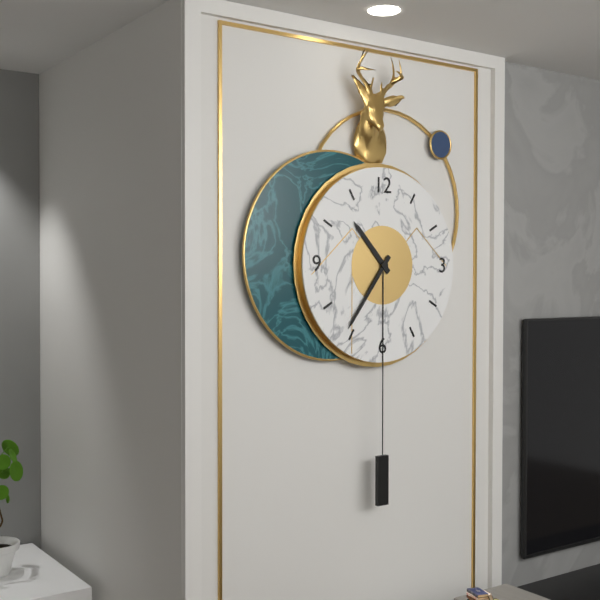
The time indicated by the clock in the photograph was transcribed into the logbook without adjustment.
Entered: 10:36
